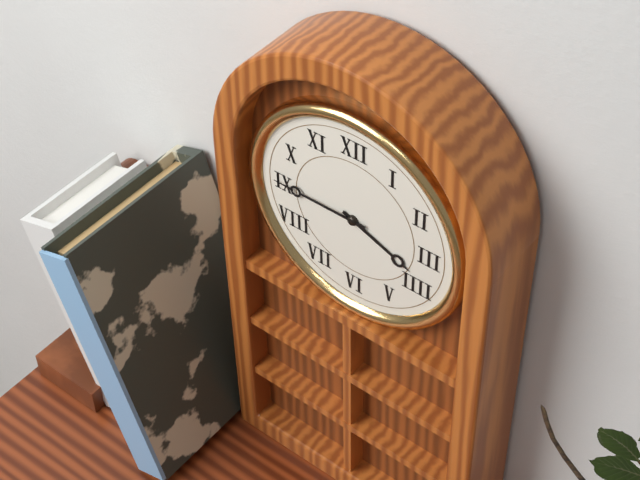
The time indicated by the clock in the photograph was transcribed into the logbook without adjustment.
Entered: 3:45
